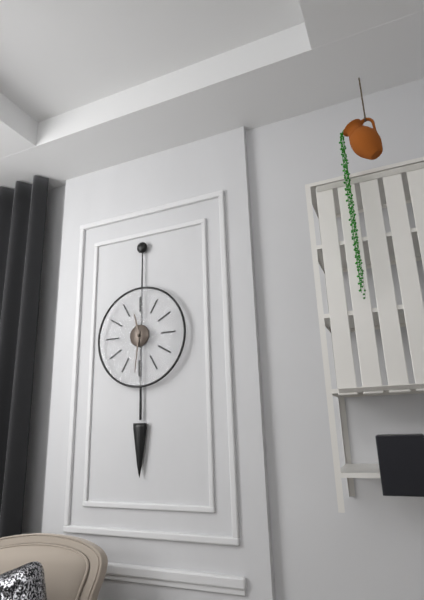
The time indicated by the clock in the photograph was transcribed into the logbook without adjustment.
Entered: 11:31
